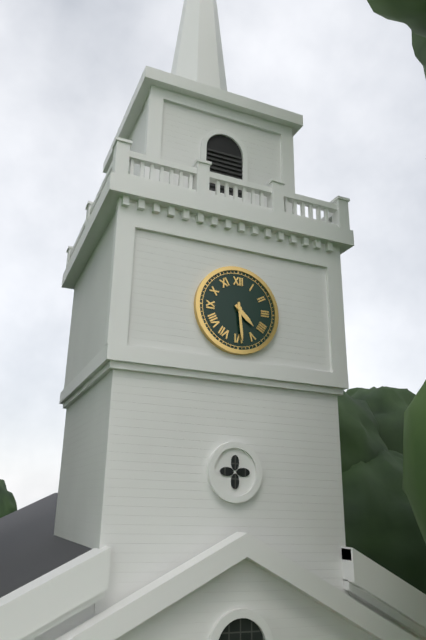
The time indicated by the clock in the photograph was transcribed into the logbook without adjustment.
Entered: 4:29
